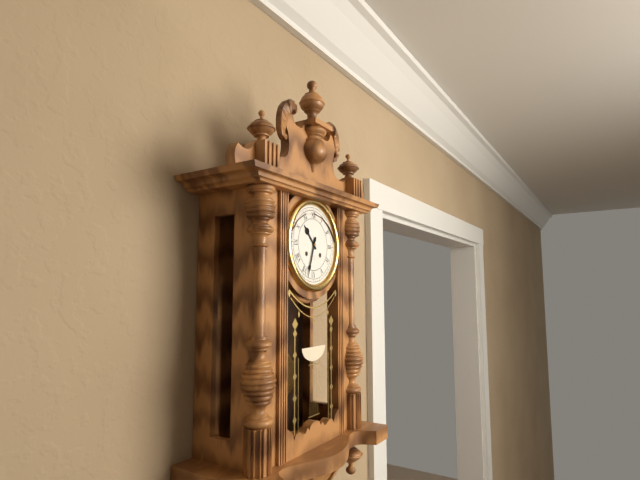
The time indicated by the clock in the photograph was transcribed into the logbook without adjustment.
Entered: 10:33
